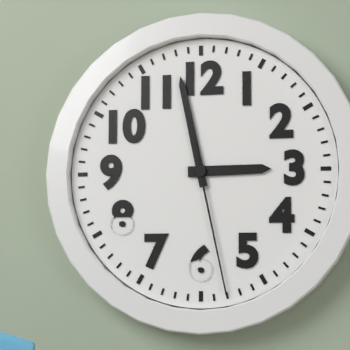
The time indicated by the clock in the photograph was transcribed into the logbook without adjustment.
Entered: 2:58:28
